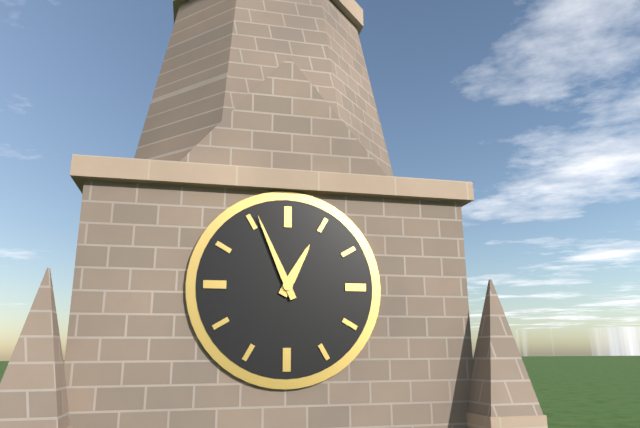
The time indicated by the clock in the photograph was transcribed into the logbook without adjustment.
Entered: 12:56
